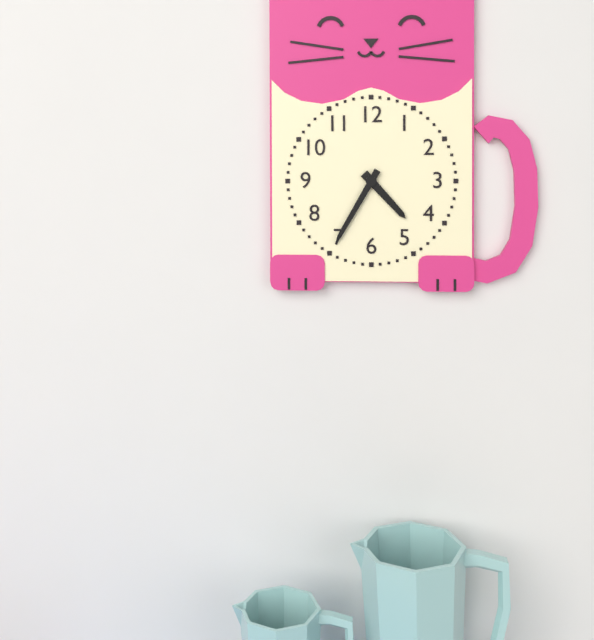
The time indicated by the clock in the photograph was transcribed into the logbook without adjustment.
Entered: 4:35
